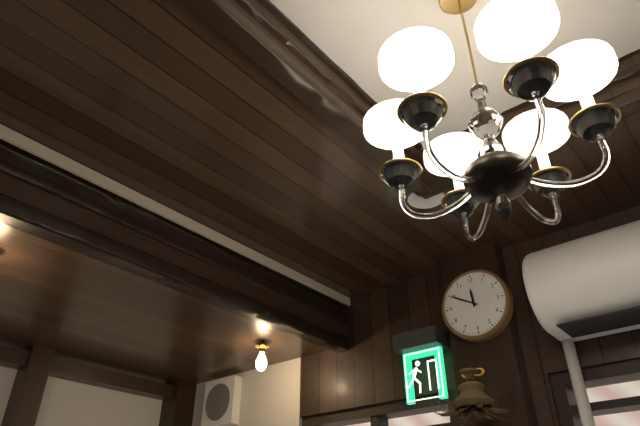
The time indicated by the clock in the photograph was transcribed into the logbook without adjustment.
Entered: 11:50
